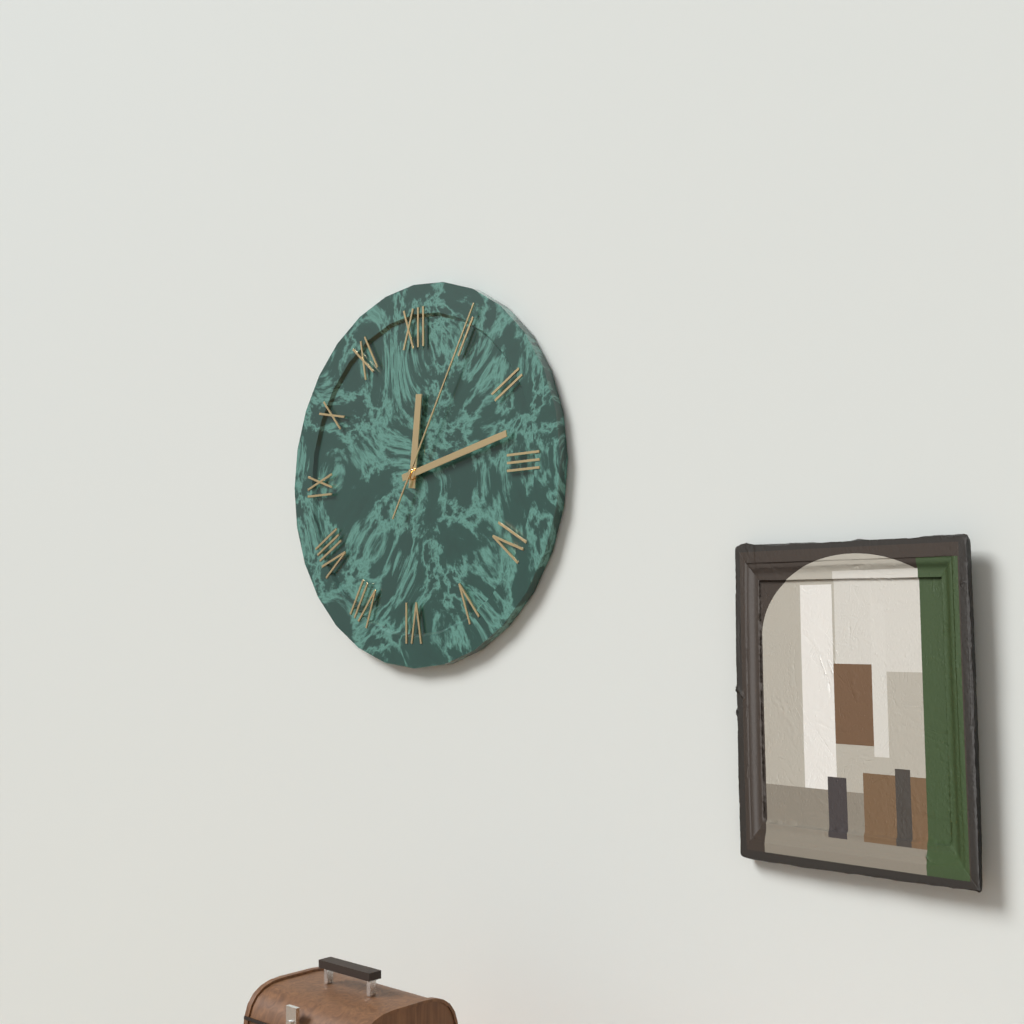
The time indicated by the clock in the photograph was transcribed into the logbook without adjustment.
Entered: 12:13:05
